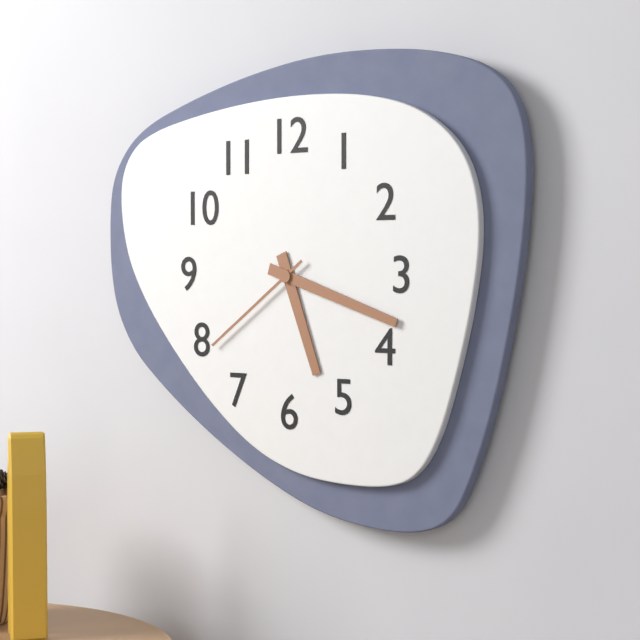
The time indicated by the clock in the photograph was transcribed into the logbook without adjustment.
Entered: 5:18:39
